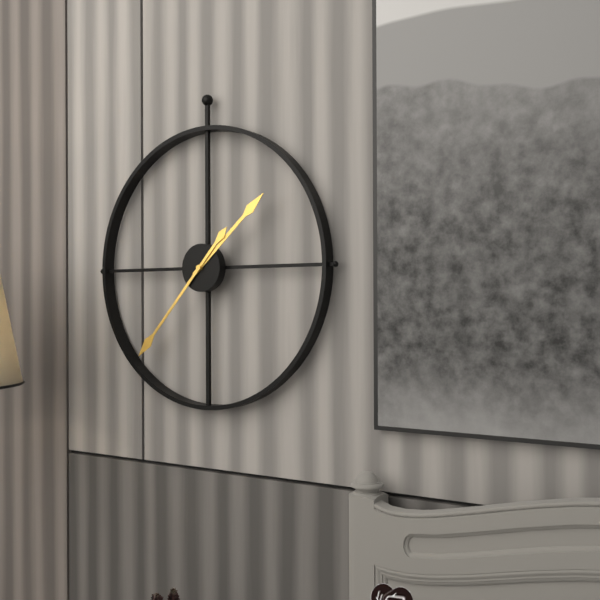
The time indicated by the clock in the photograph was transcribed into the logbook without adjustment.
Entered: 1:37
